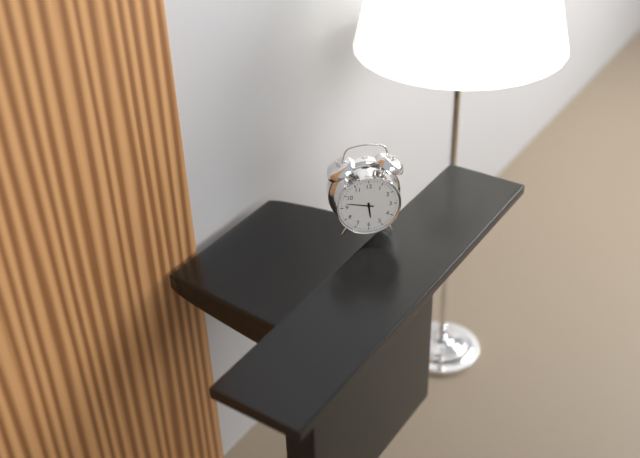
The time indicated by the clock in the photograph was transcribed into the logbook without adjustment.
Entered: 5:47
